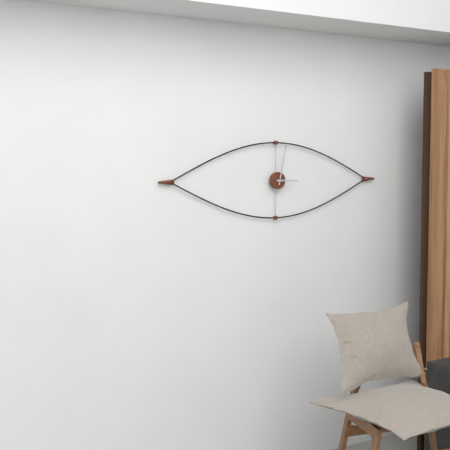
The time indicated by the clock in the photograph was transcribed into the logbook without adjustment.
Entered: 3:02
